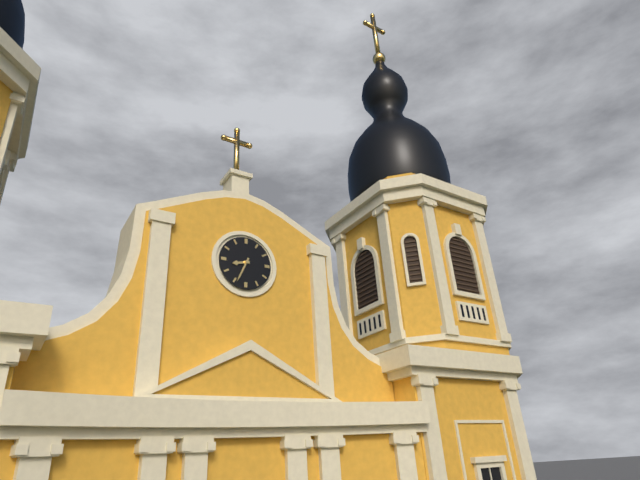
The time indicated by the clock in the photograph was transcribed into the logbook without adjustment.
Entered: 8:34
